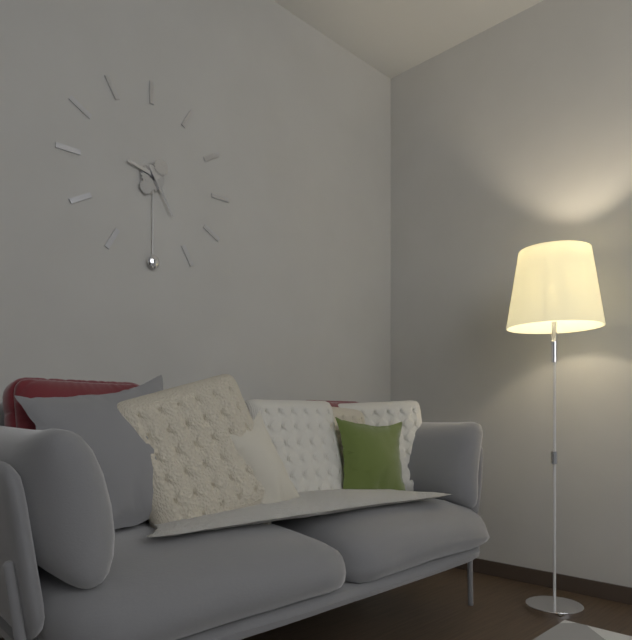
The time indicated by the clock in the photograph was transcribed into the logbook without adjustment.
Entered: 9:25
